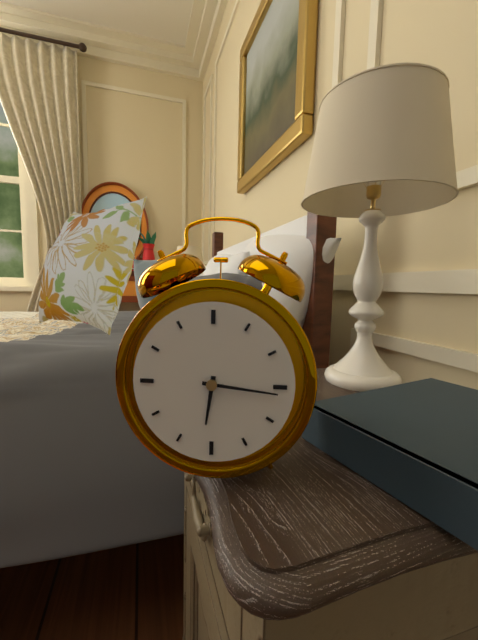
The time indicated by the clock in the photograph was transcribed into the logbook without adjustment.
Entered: 6:16
